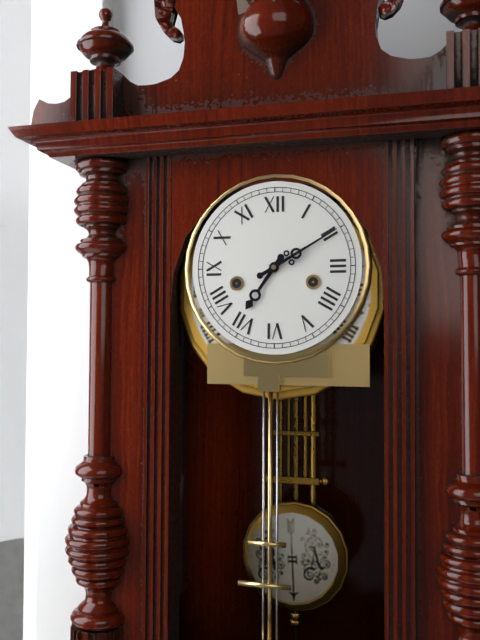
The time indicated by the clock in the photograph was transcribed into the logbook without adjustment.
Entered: 7:10
